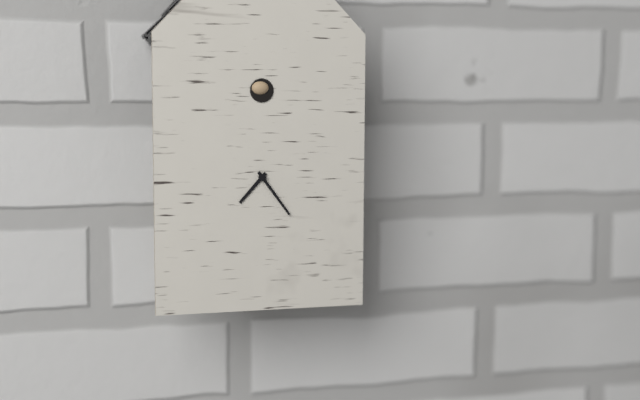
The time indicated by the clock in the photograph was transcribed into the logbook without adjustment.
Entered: 7:24
